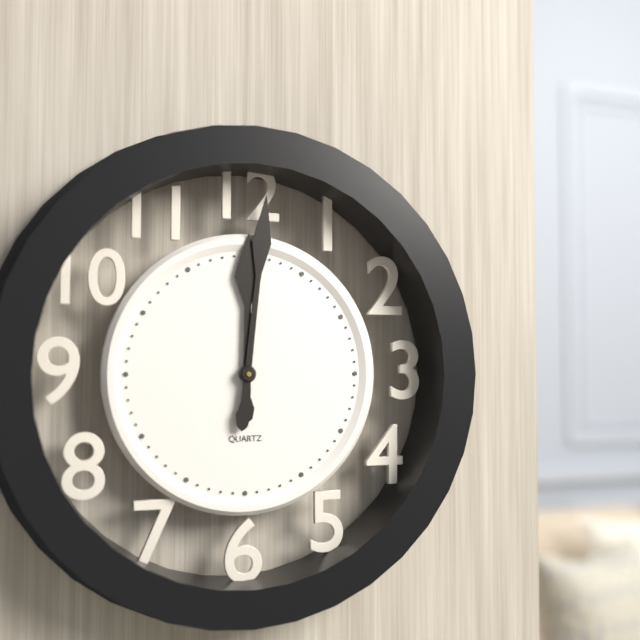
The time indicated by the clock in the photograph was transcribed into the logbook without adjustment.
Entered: 12:01
